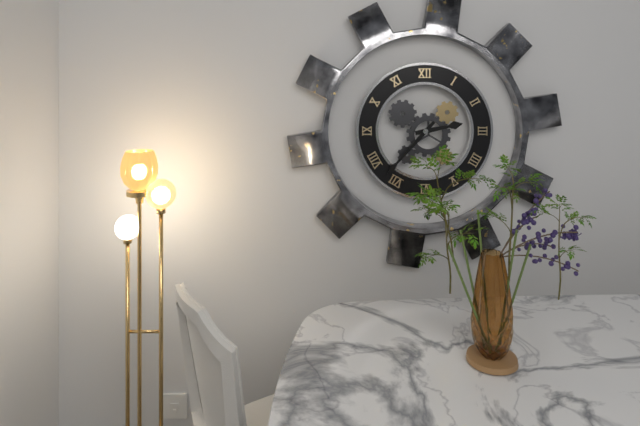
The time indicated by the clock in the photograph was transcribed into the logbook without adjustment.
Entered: 2:37
